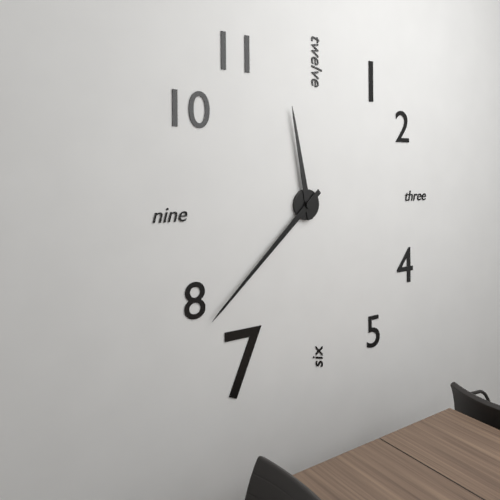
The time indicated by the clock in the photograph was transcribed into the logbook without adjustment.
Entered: 11:38
